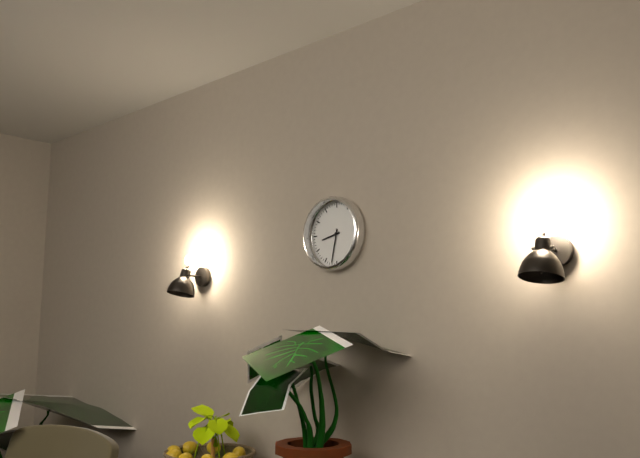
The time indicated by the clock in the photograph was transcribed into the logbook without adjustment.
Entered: 8:32
